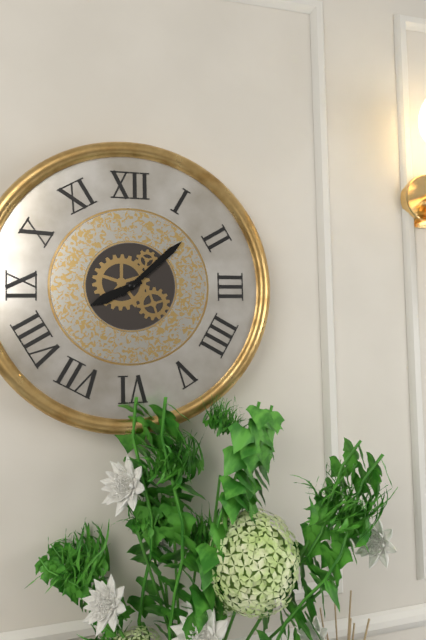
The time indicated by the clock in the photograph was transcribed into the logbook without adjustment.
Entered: 8:08
